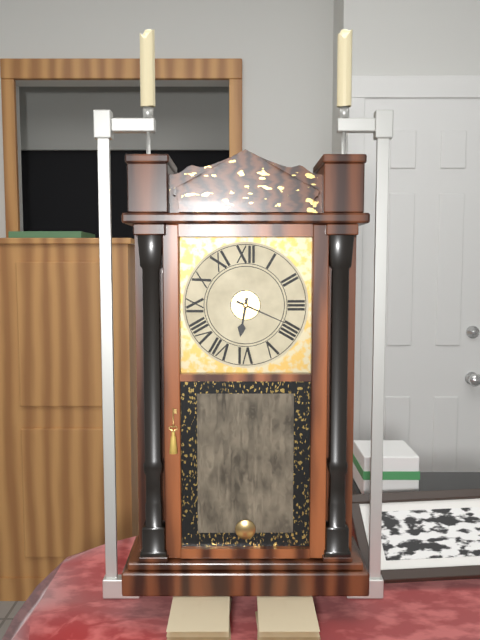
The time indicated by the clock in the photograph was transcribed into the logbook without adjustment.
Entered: 6:19
